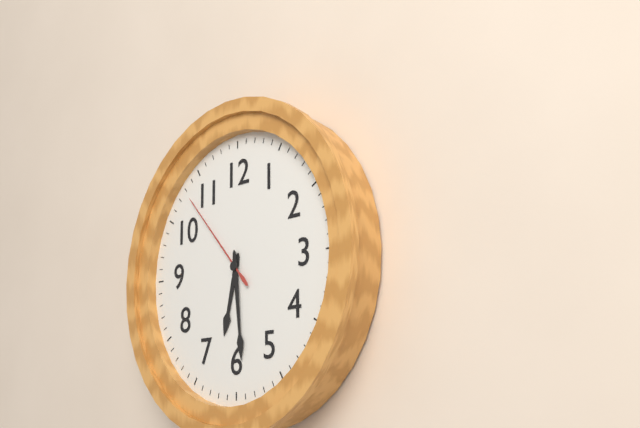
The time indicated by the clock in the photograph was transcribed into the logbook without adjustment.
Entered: 6:29:53
